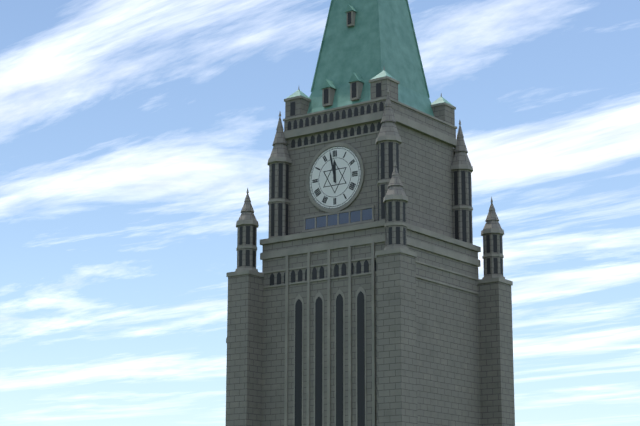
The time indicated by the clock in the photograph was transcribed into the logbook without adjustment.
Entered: 11:58
